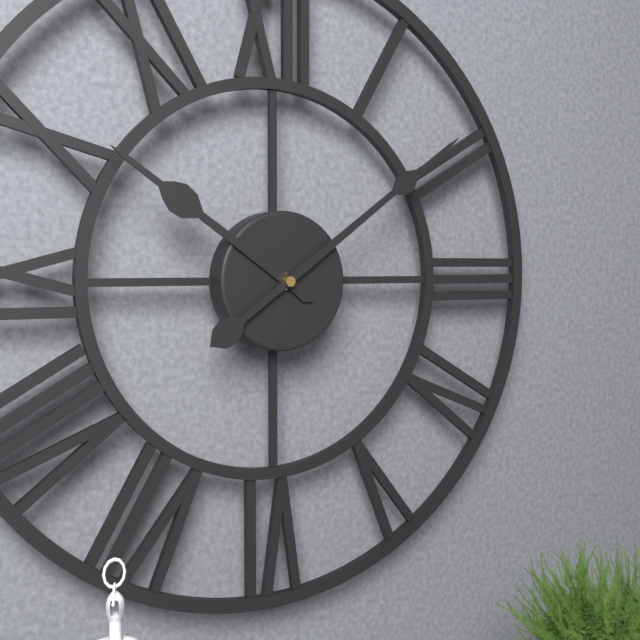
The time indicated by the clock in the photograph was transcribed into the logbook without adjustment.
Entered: 10:09
